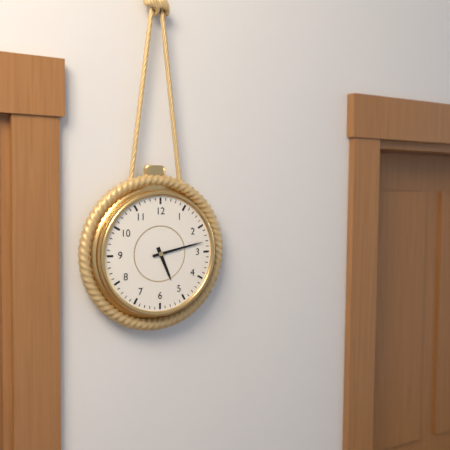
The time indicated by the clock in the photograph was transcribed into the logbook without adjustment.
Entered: 5:13
